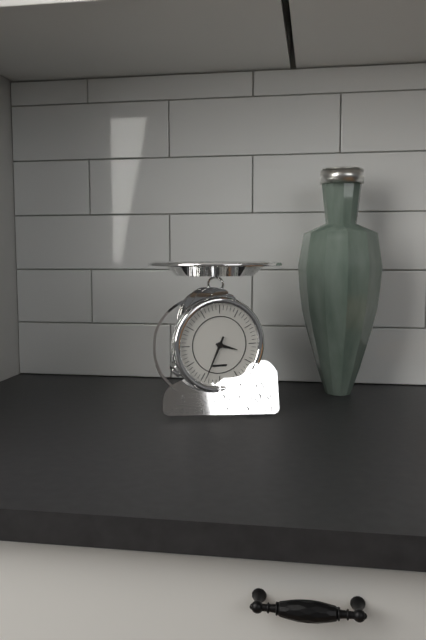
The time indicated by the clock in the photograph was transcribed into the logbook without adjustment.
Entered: 3:34
